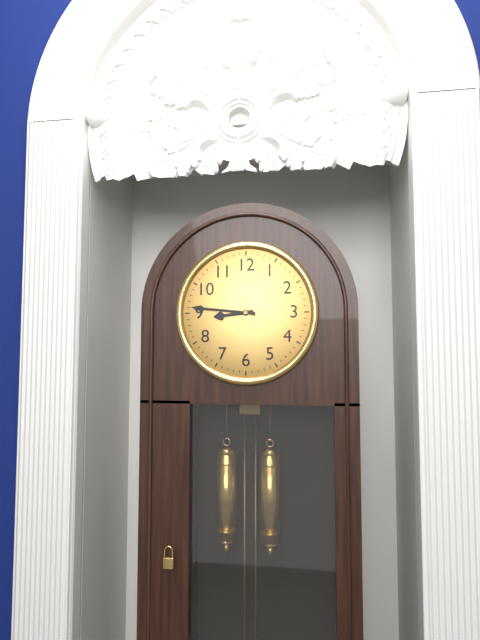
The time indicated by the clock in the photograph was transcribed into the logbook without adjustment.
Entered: 8:46
